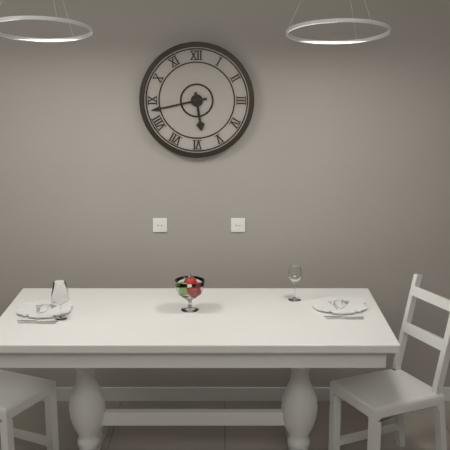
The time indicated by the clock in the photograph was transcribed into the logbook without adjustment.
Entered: 5:43
